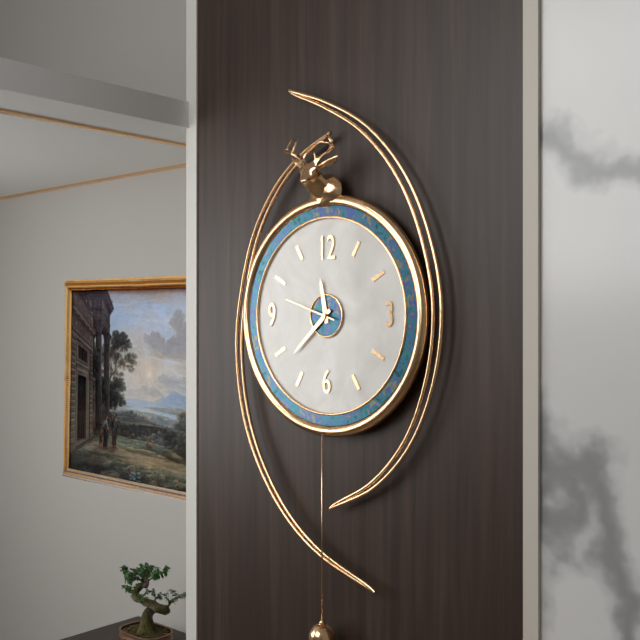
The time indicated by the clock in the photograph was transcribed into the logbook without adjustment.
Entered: 11:38:48
